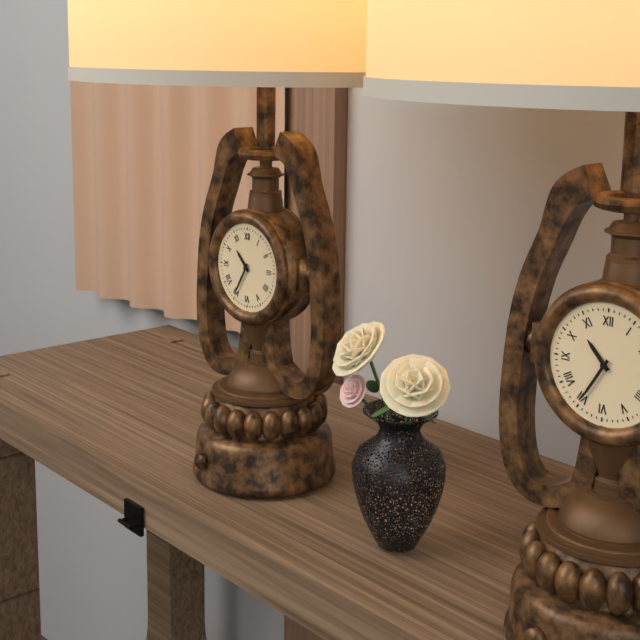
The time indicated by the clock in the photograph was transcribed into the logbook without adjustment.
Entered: 10:35
